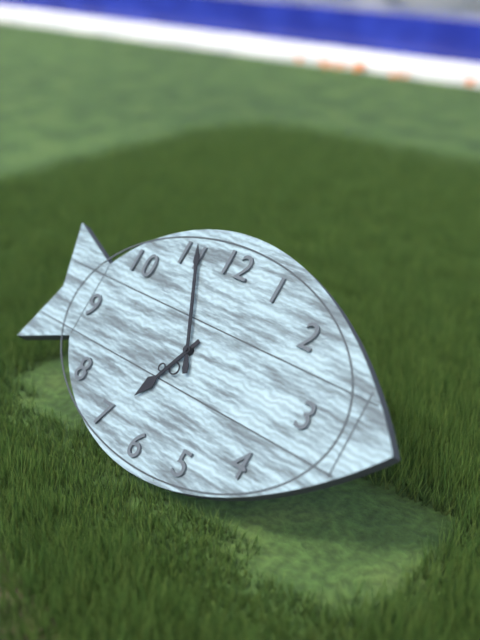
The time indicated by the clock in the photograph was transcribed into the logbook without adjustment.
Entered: 6:55
